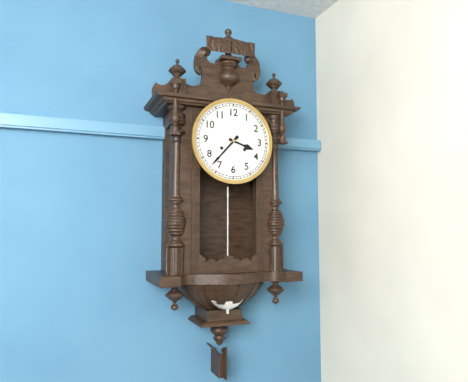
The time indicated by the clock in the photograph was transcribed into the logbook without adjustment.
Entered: 3:37
